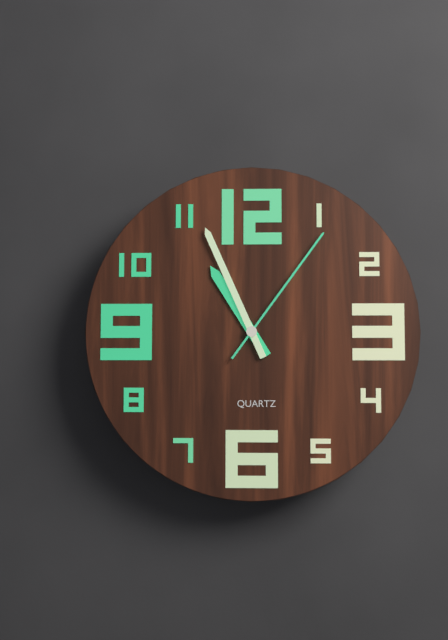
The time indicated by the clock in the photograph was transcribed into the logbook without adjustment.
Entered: 10:56:06
